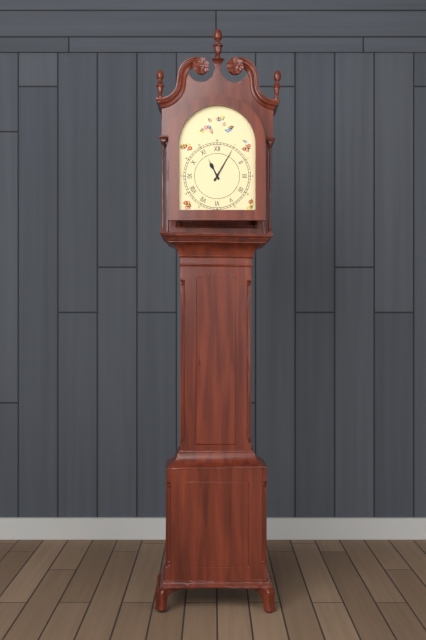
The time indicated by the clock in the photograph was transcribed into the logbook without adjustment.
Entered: 11:05
